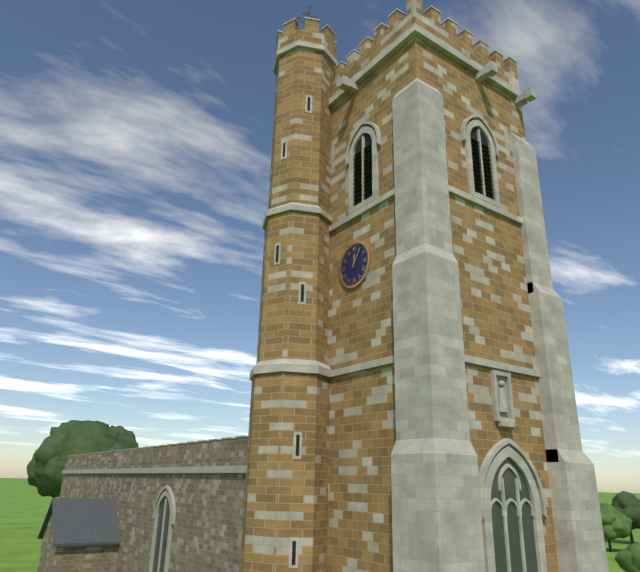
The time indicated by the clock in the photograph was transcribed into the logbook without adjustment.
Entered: 12:06
